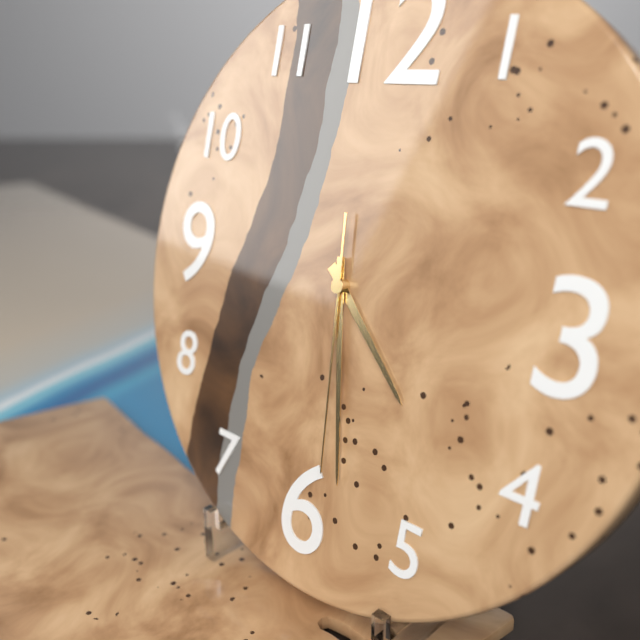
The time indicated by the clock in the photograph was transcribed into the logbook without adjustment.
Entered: 4:28:29
